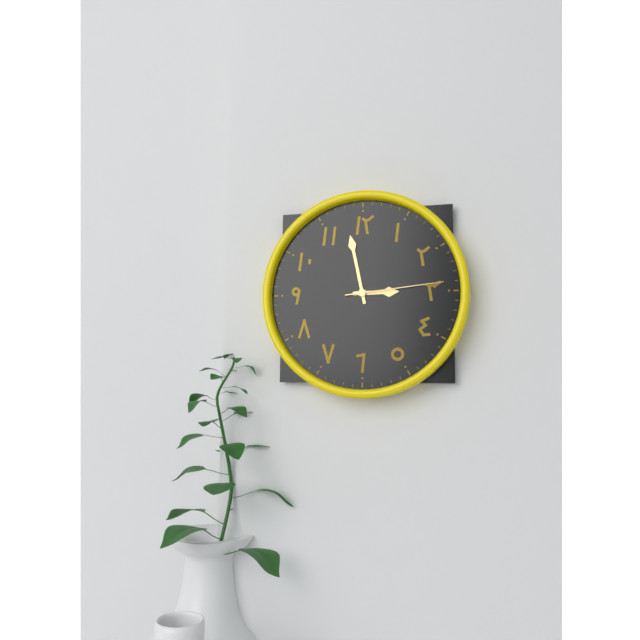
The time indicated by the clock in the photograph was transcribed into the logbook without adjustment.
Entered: 2:58:14
